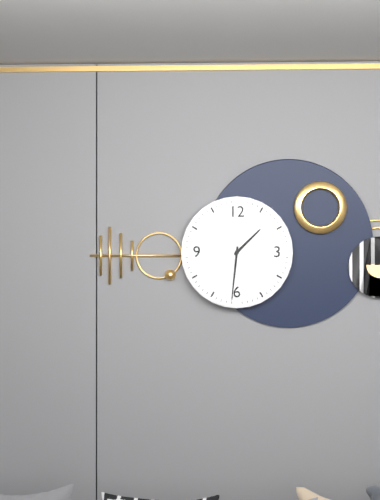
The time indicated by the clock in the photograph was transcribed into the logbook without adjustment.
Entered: 1:31
